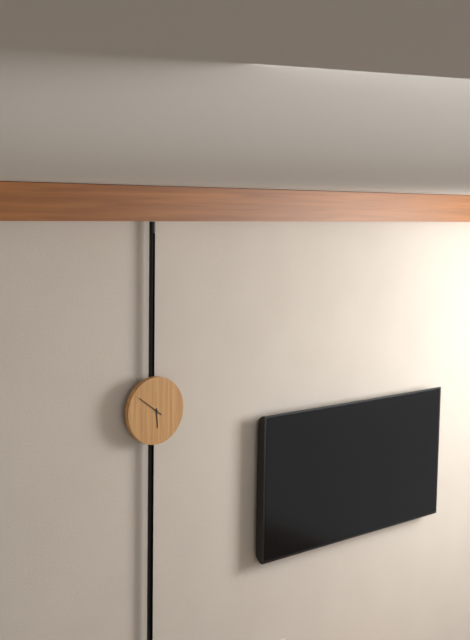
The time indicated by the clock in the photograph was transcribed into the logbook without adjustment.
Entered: 5:51
